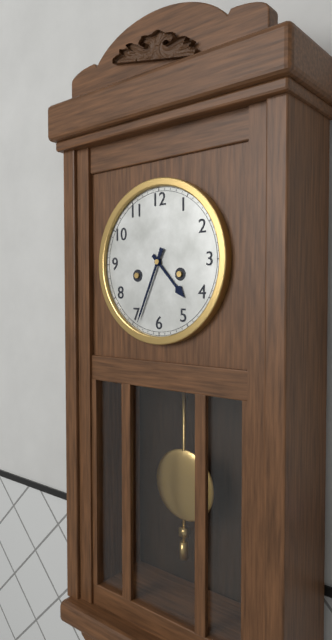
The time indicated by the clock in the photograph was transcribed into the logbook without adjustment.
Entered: 4:34
